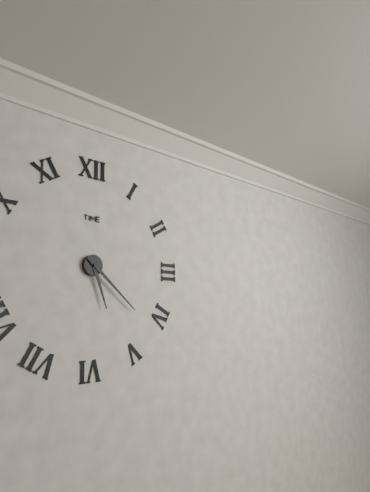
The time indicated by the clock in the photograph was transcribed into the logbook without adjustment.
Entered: 5:22
